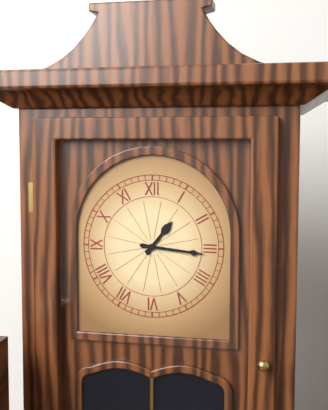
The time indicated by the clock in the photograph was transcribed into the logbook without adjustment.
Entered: 1:16
